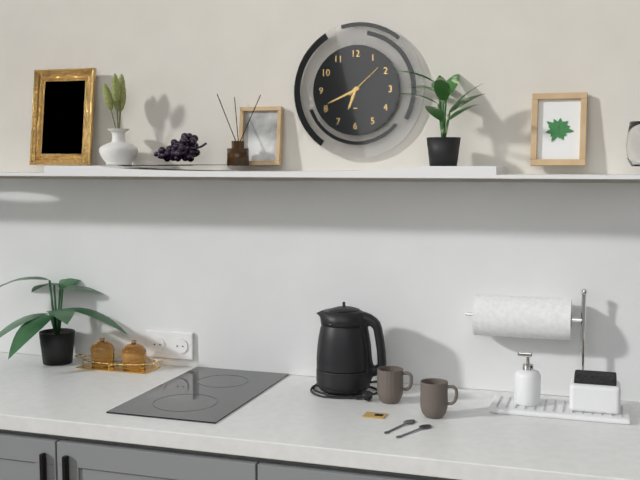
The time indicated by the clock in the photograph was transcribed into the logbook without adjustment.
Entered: 6:41
